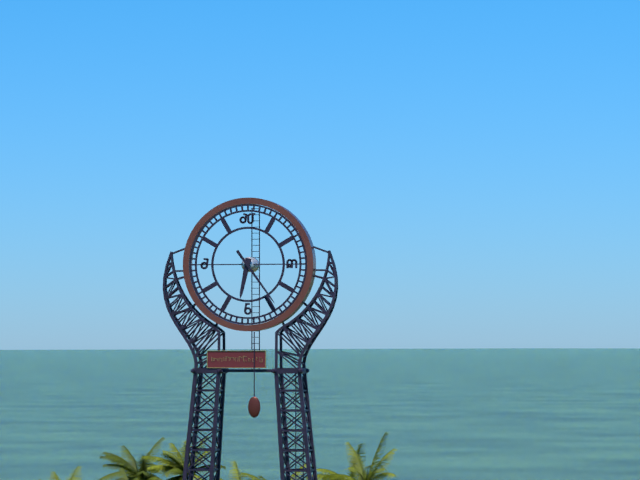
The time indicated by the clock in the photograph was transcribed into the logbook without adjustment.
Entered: 6:24
